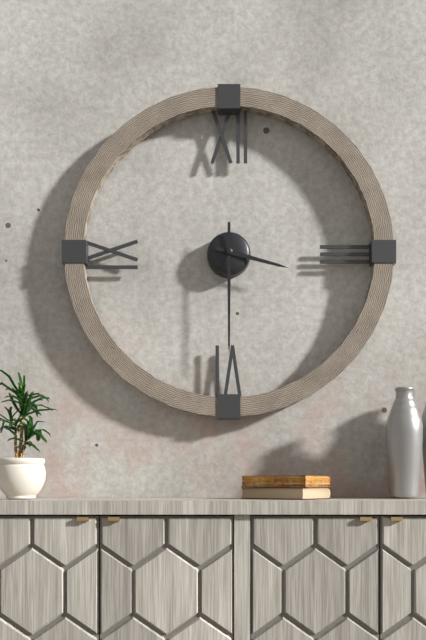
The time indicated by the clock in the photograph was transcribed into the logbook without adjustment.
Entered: 3:30
